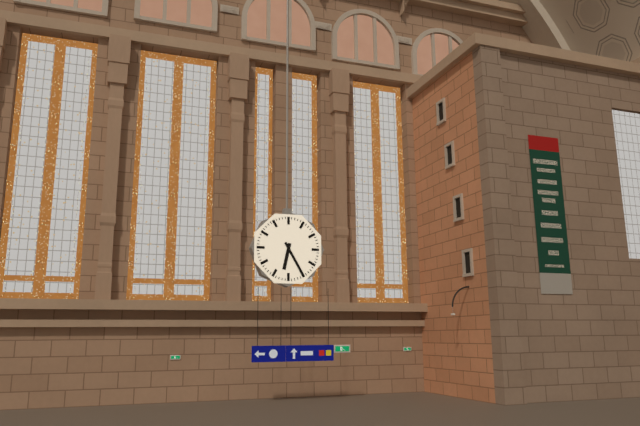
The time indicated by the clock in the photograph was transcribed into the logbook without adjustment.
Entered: 6:25
